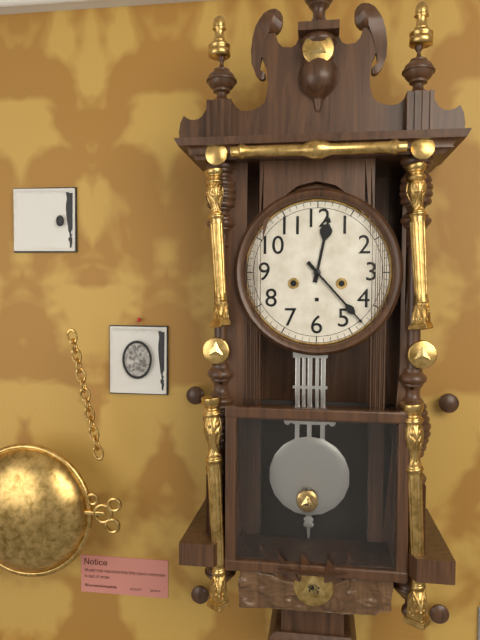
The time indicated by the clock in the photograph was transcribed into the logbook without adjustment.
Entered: 12:23
